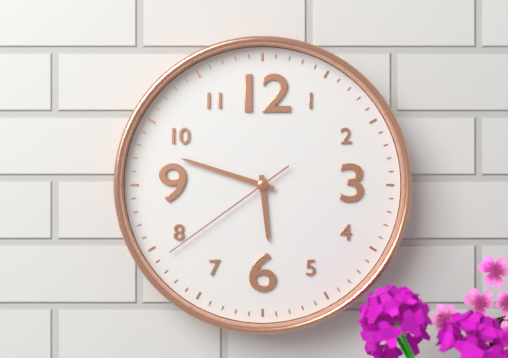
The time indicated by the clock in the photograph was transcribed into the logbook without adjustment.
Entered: 5:48:39
